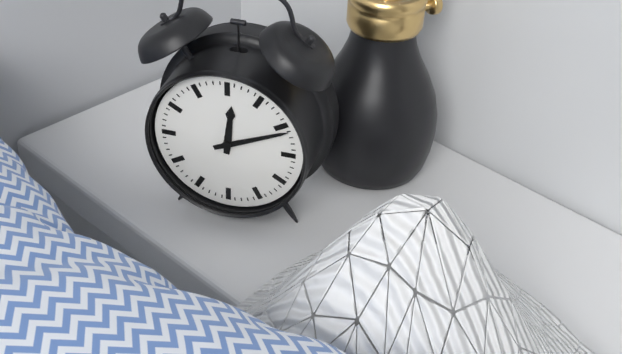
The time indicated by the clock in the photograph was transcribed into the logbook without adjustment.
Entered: 12:11
